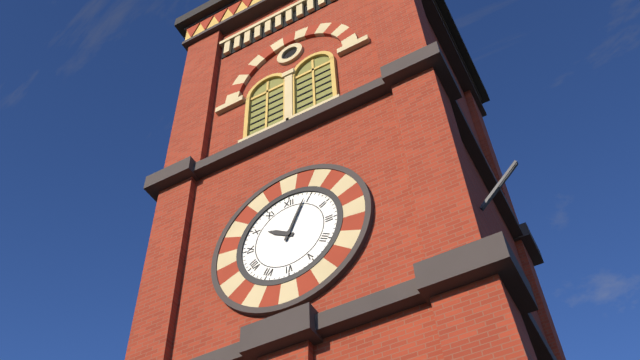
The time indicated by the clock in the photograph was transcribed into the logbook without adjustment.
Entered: 10:04
